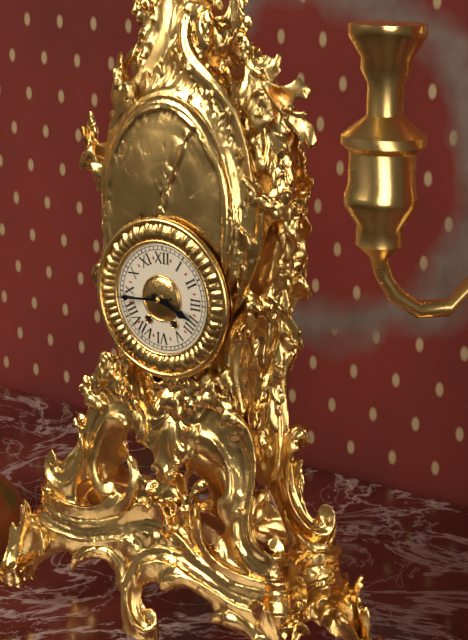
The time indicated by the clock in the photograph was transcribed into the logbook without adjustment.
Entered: 3:44
